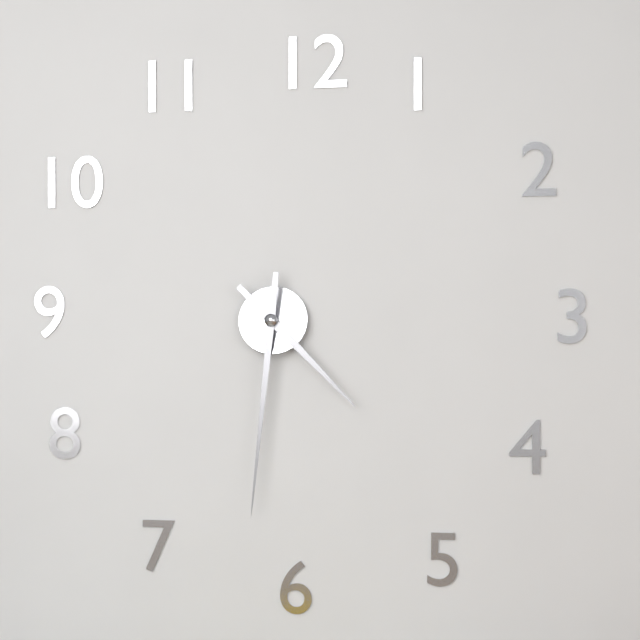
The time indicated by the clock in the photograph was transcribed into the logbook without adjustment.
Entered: 4:31
